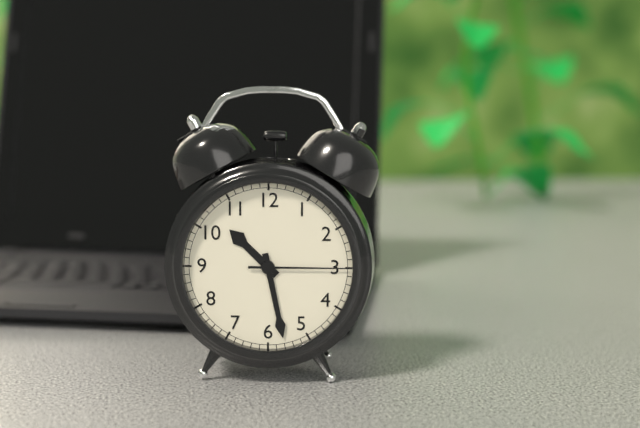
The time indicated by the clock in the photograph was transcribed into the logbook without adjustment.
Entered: 10:28:15
